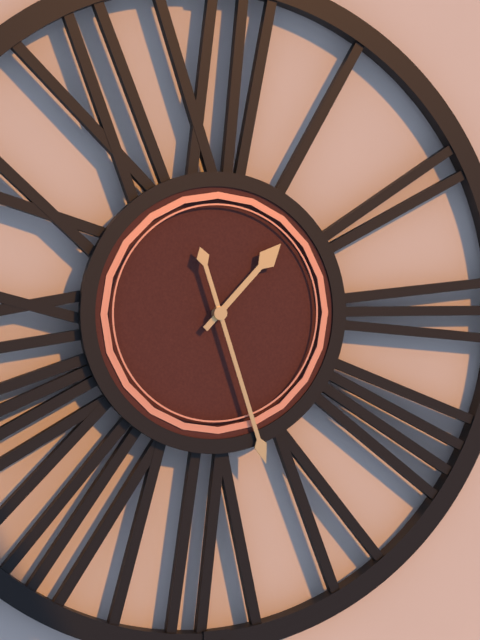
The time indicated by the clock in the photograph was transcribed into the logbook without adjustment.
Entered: 1:27
